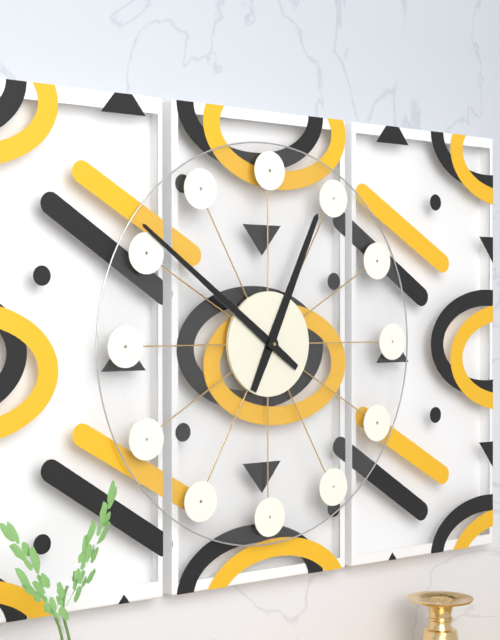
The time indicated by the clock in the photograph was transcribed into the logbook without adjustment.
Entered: 12:51
